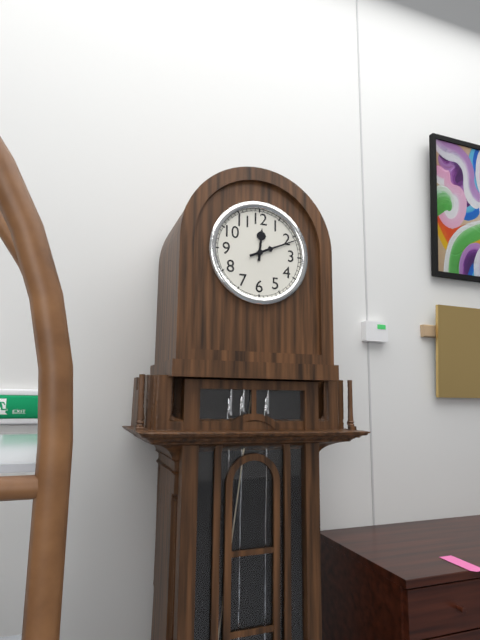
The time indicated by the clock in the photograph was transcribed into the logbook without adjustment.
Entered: 12:11
